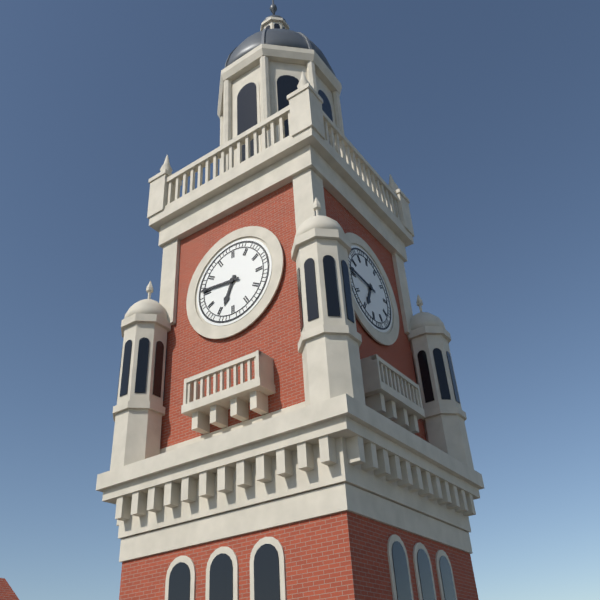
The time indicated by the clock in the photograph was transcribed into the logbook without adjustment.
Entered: 6:46
